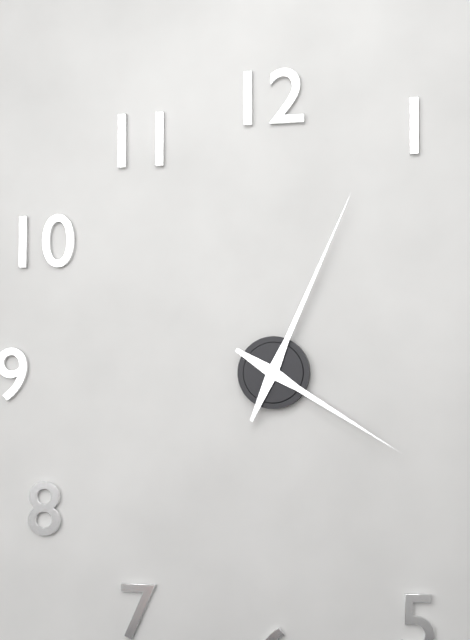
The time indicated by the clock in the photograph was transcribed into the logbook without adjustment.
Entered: 4:04
